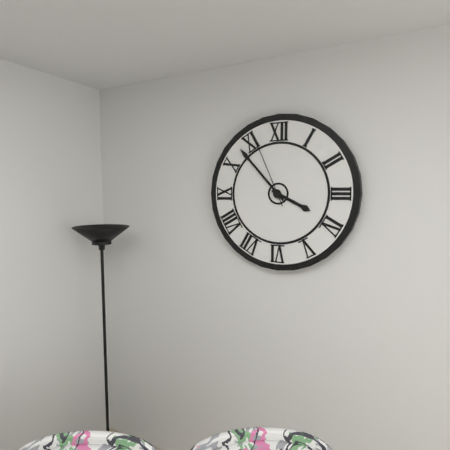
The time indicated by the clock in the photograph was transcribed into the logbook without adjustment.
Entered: 3:53:56
